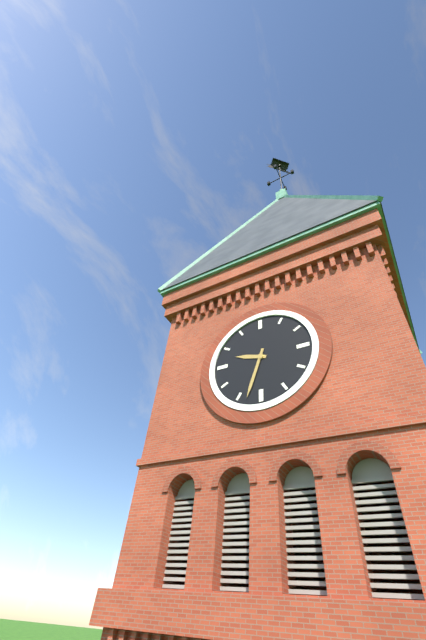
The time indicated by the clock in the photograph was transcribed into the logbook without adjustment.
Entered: 9:33
